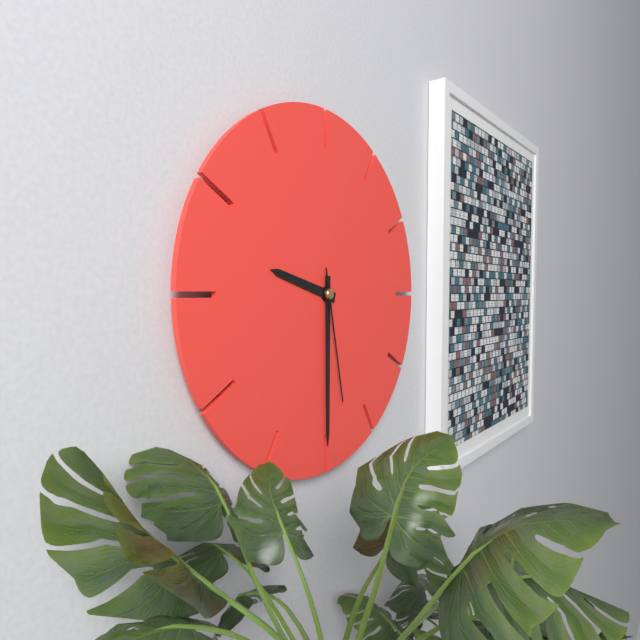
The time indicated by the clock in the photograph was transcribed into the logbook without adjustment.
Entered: 9:30:28
